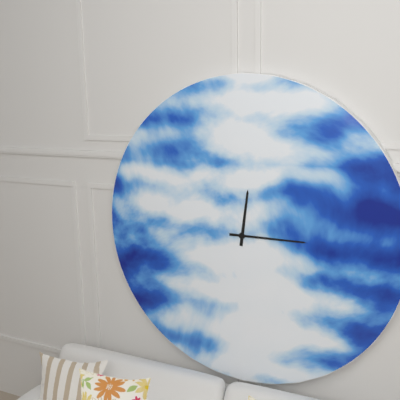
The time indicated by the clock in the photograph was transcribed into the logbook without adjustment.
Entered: 12:15
